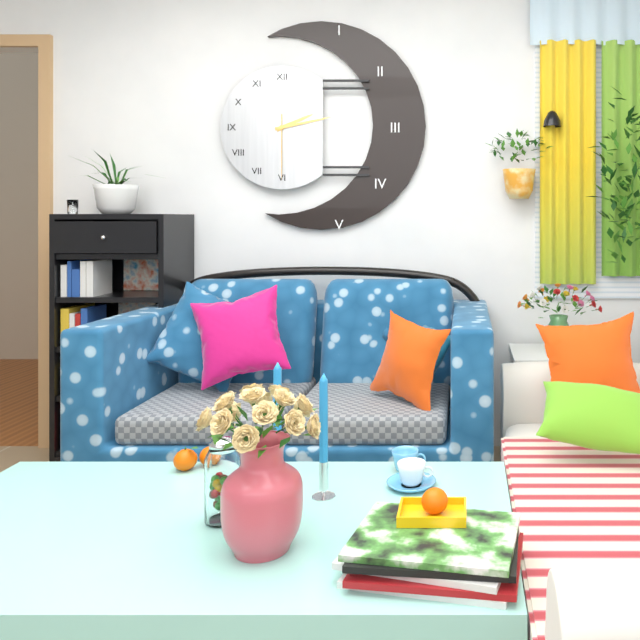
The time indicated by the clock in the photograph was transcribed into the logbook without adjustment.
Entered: 2:13:30
